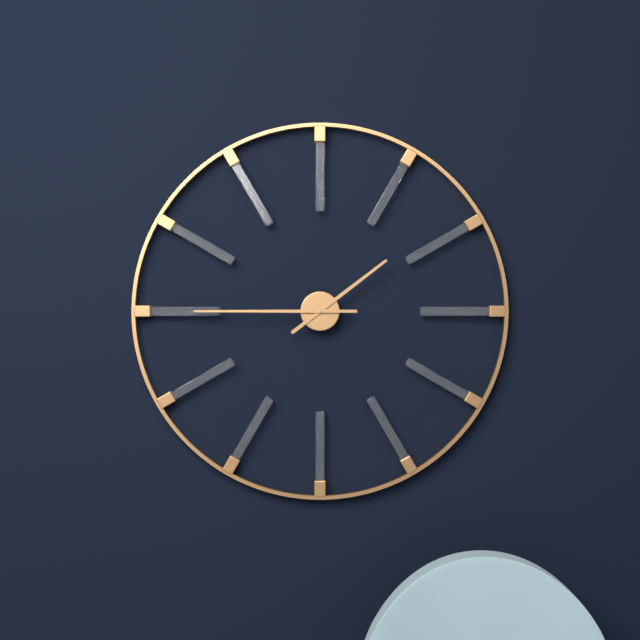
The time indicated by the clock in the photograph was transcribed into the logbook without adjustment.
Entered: 1:45
